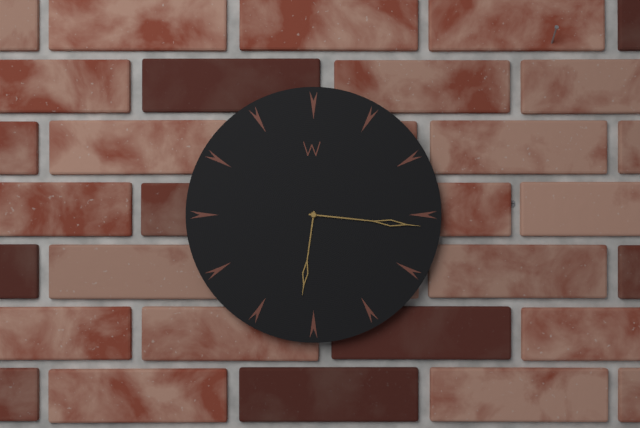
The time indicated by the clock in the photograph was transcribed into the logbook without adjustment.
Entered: 6:16
